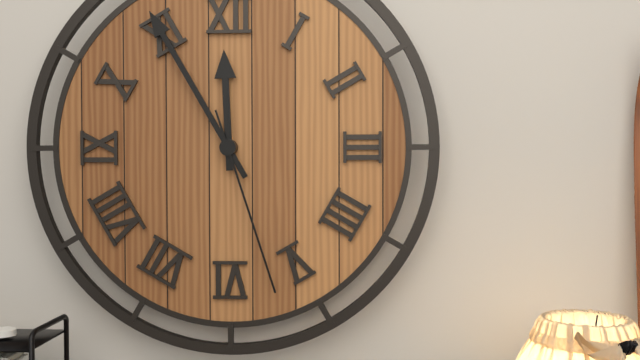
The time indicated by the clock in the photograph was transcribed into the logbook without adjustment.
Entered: 11:55:27
